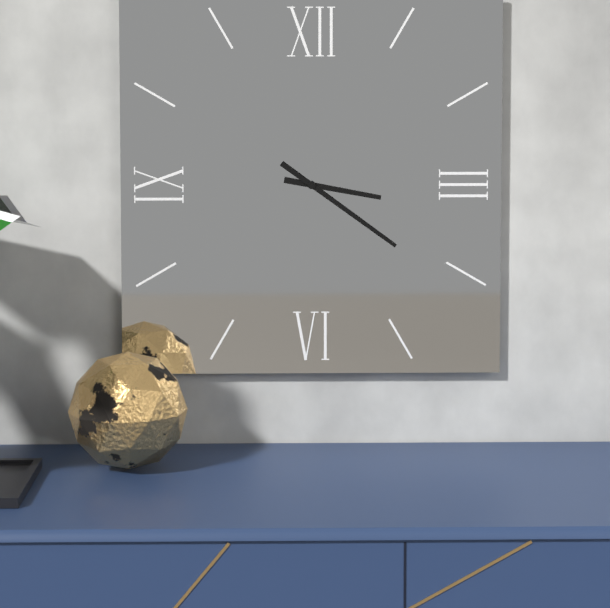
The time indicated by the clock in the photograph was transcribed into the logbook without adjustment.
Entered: 3:21
